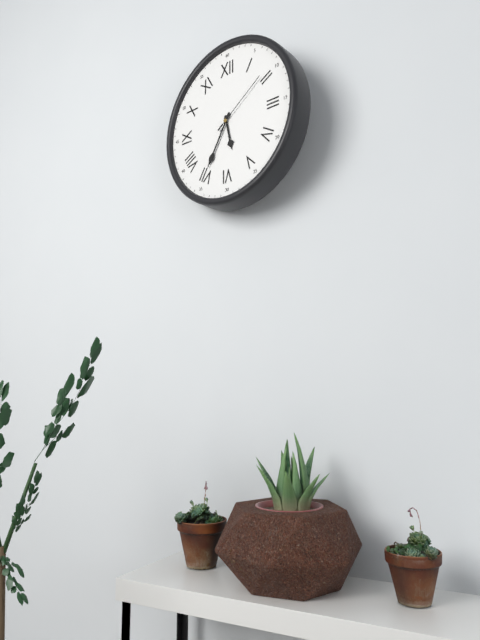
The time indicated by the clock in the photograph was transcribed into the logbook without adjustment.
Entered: 5:35:09
